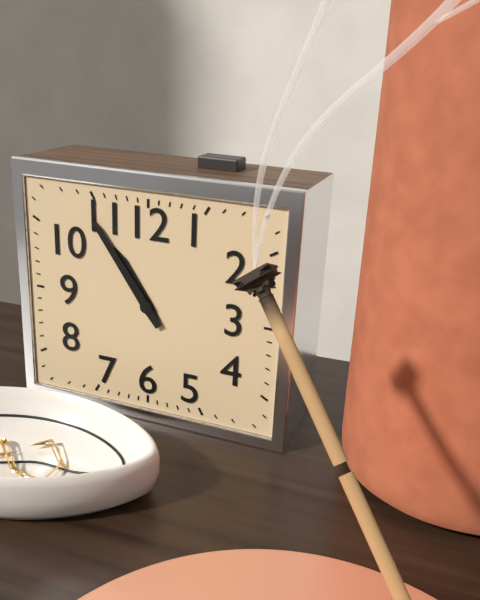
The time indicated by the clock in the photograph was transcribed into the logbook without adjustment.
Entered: 10:54
